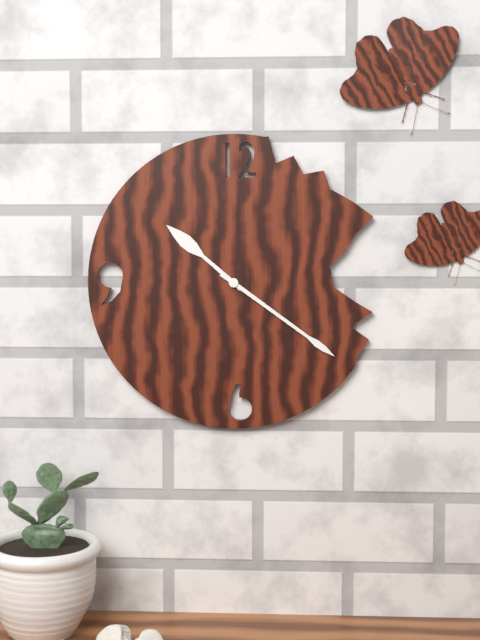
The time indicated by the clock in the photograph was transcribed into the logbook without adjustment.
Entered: 10:21
